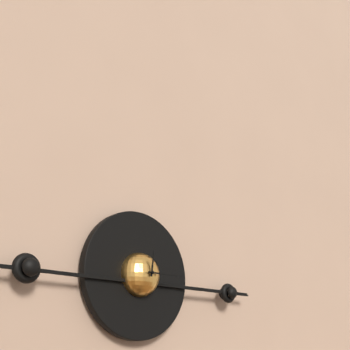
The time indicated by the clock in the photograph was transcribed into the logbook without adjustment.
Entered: 12:15
